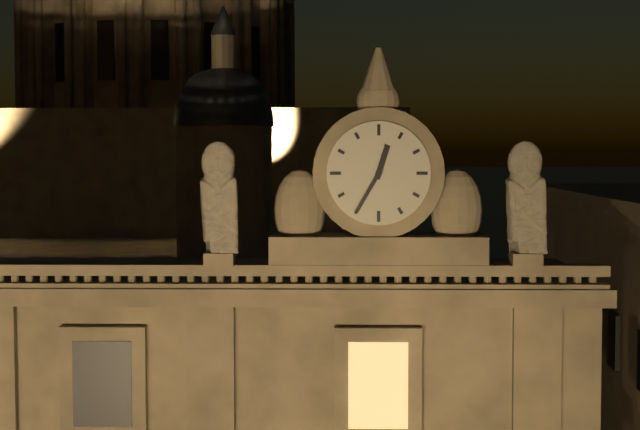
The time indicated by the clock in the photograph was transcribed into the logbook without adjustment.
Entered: 12:35
